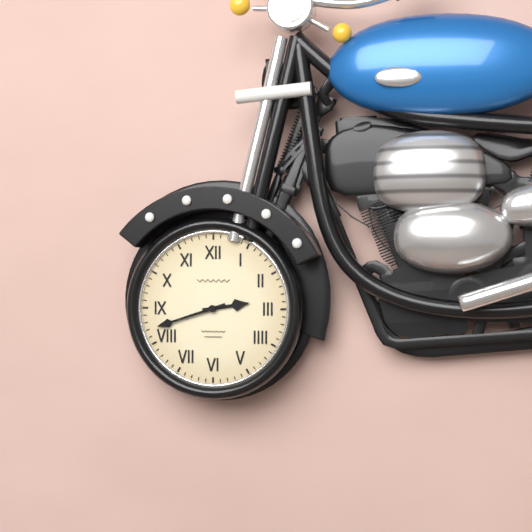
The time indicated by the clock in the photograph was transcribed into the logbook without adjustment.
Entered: 2:42
